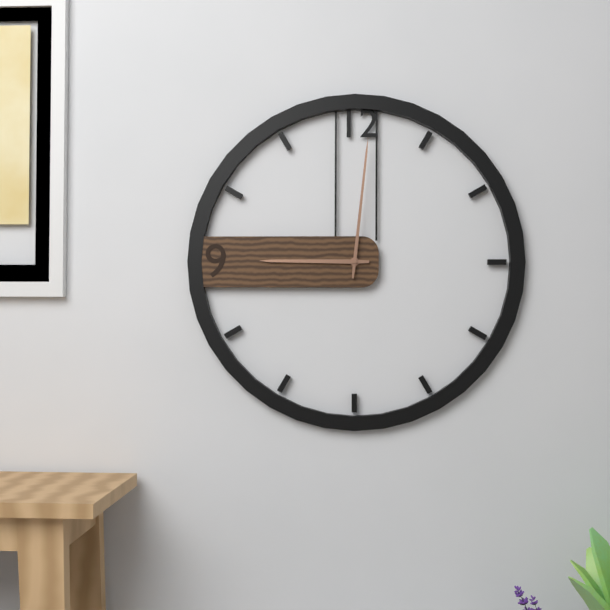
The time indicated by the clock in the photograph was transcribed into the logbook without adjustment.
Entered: 9:01
